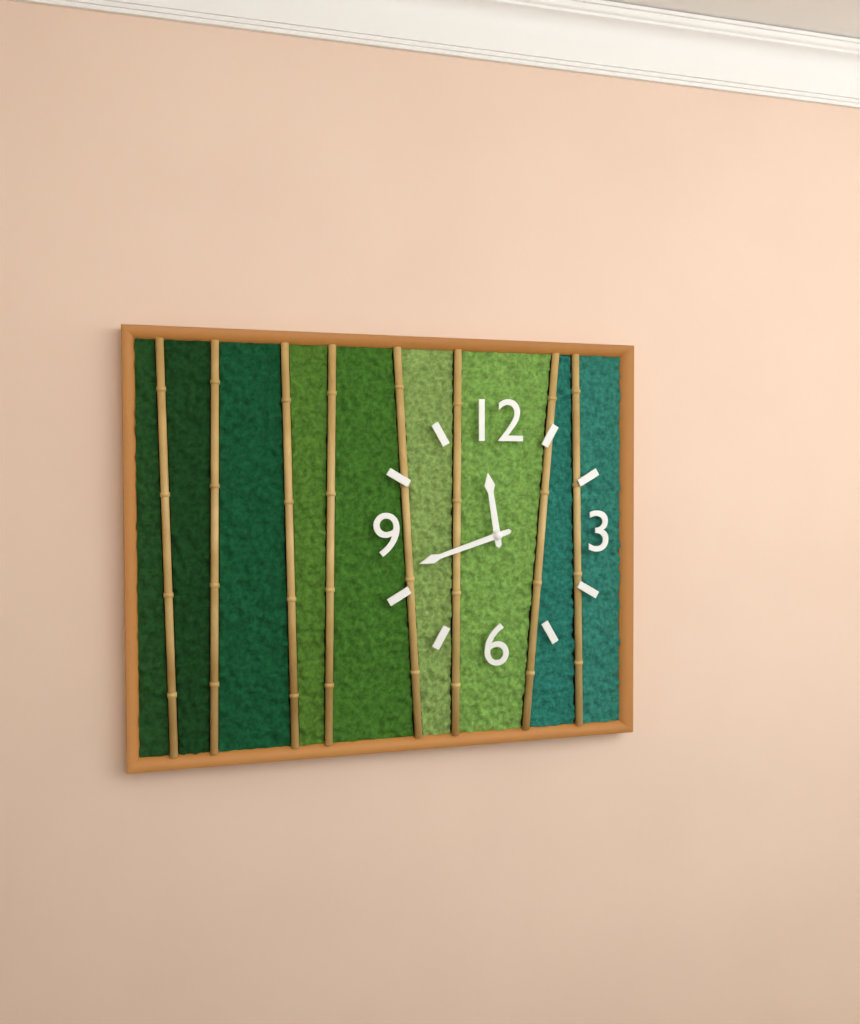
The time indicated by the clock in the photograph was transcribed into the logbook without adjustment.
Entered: 11:42
